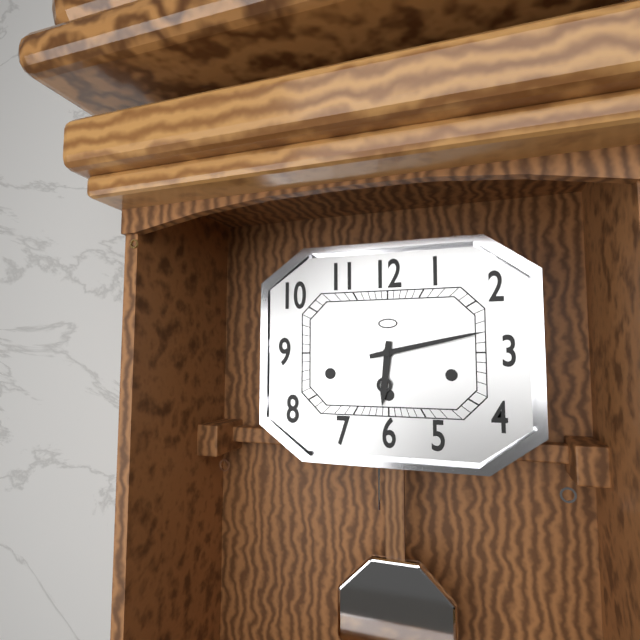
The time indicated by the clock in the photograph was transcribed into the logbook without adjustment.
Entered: 6:13
